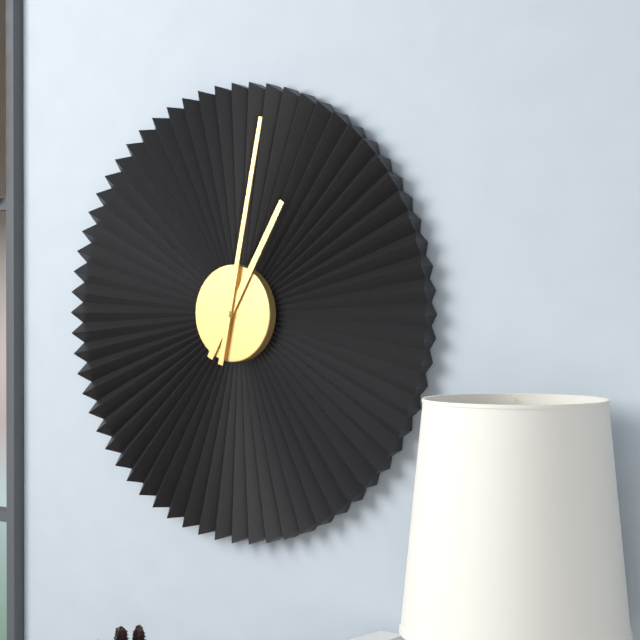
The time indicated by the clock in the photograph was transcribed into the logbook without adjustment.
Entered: 1:02
